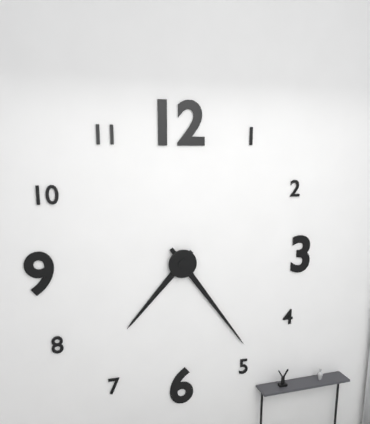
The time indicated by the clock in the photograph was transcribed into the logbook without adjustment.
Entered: 7:24
